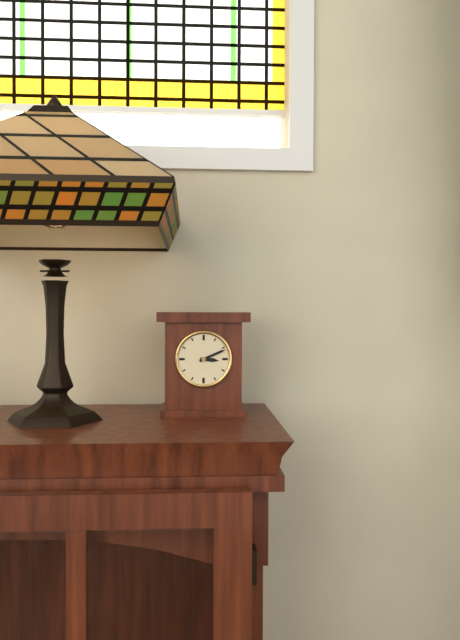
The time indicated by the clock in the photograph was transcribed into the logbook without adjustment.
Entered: 3:11
